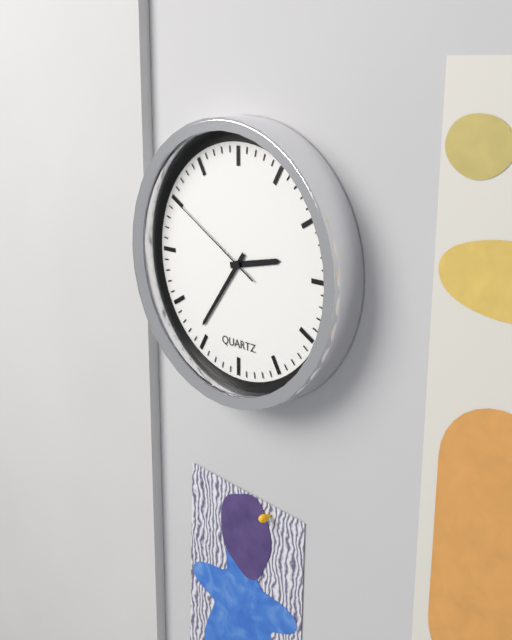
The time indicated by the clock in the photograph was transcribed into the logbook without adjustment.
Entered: 2:36:50
